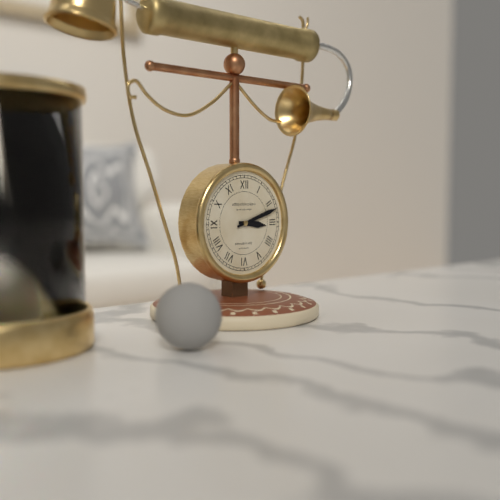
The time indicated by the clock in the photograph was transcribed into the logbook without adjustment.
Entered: 3:12
